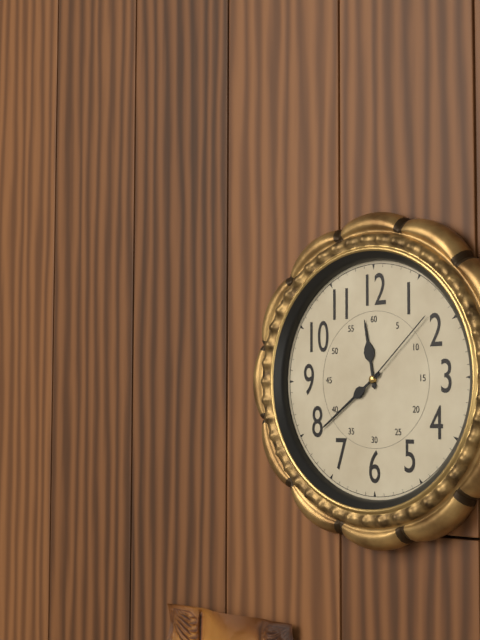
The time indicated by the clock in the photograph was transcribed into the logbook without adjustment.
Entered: 11:39:08
